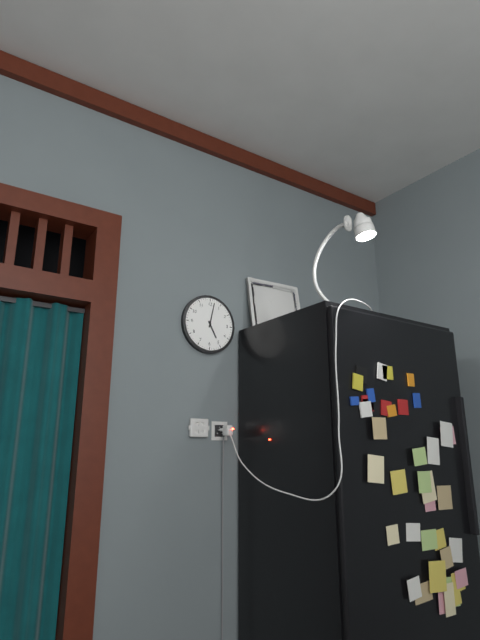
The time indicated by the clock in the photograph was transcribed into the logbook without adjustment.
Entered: 5:02
